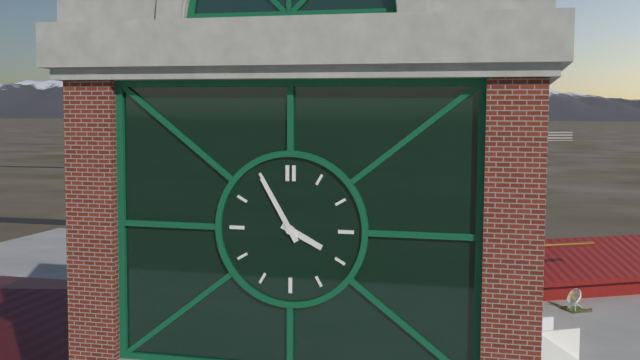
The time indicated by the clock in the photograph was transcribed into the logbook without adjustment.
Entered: 3:55
